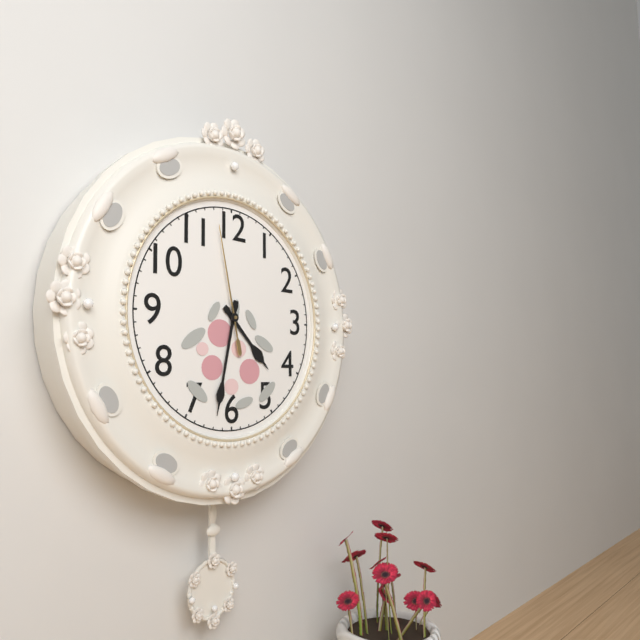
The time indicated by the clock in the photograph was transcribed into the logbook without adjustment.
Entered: 4:32:58
